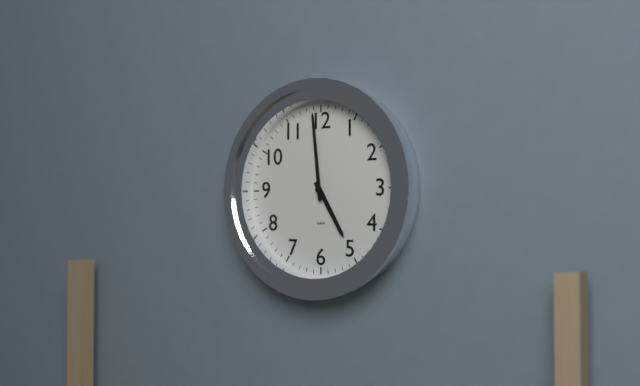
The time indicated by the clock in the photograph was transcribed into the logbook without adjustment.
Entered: 4:59
